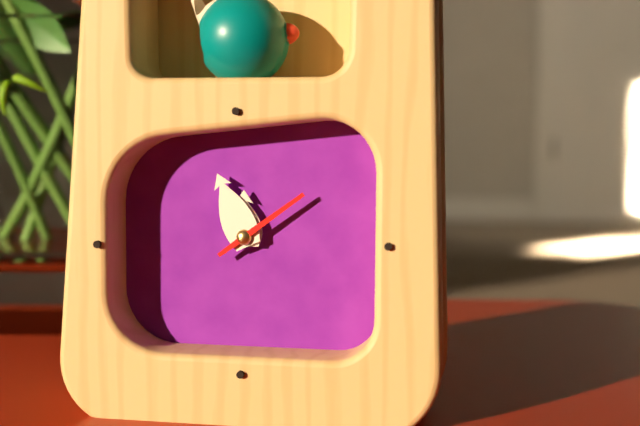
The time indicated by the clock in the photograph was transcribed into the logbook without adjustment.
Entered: 11:56:09
